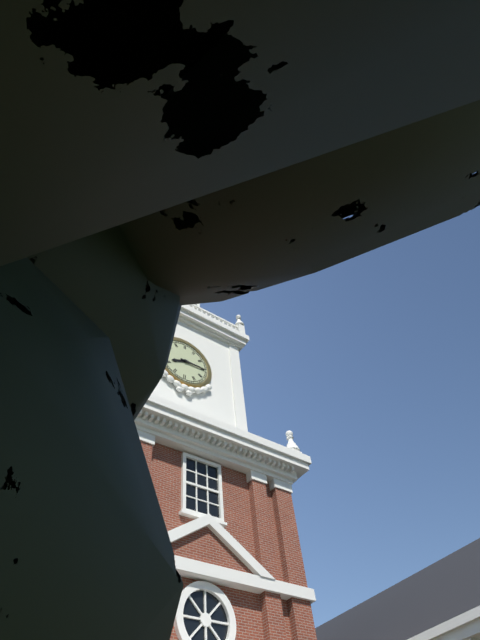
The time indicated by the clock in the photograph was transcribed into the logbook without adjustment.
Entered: 8:15
